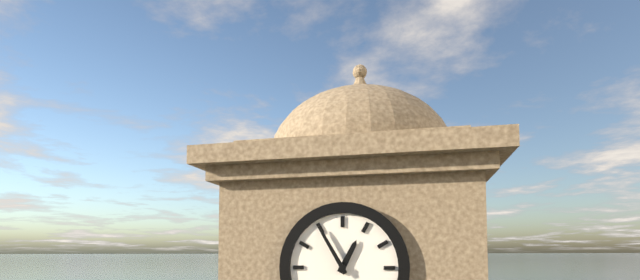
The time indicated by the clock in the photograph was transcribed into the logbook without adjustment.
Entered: 12:55
